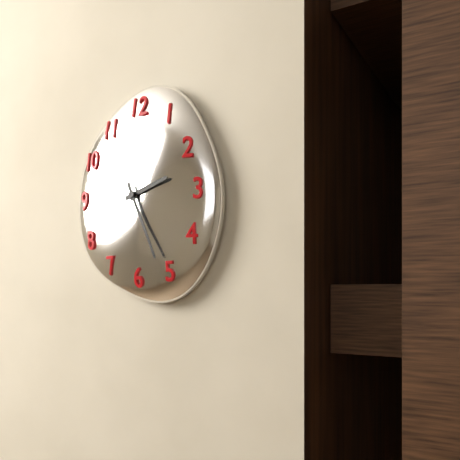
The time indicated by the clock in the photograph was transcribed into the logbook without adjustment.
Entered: 2:26
